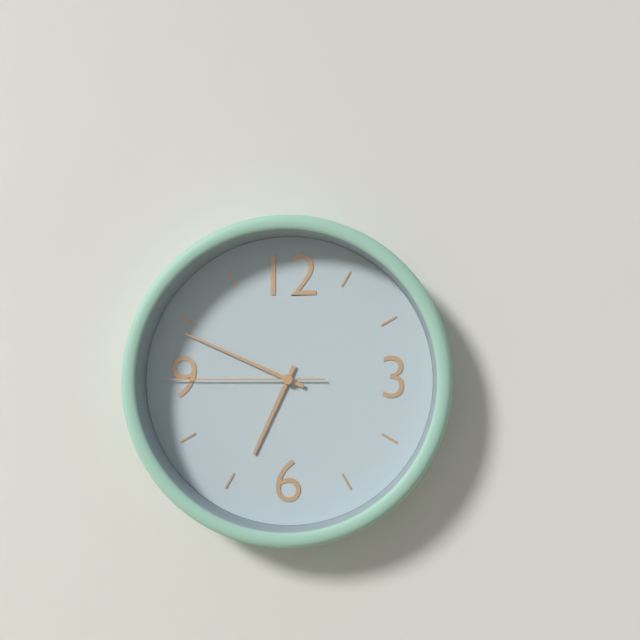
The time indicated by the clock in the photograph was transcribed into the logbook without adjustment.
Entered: 6:49:45
